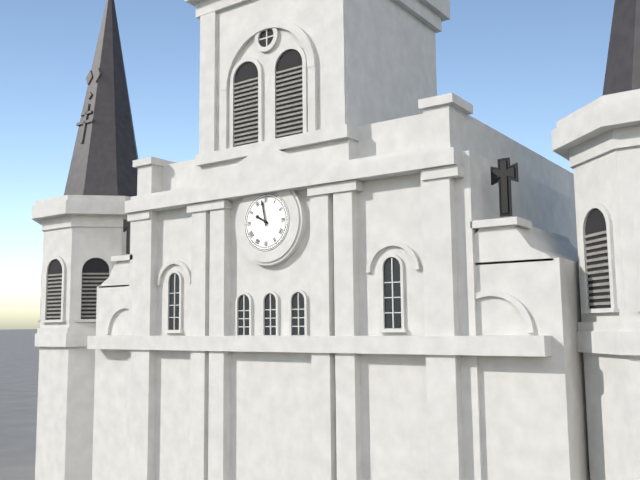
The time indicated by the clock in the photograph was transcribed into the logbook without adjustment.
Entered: 9:58
